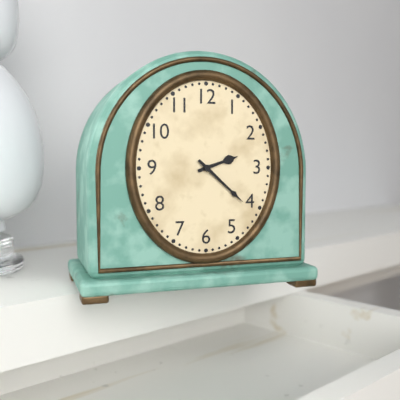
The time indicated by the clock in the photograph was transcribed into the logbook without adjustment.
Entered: 2:22
